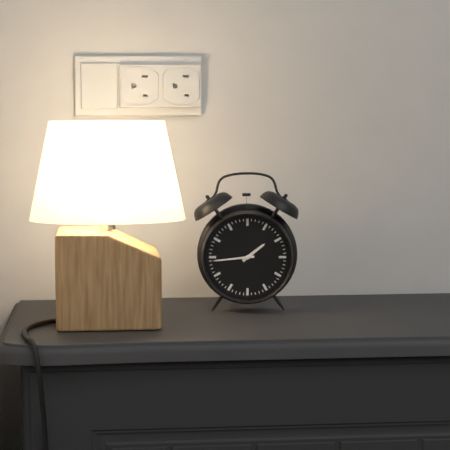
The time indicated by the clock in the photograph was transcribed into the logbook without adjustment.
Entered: 1:44
